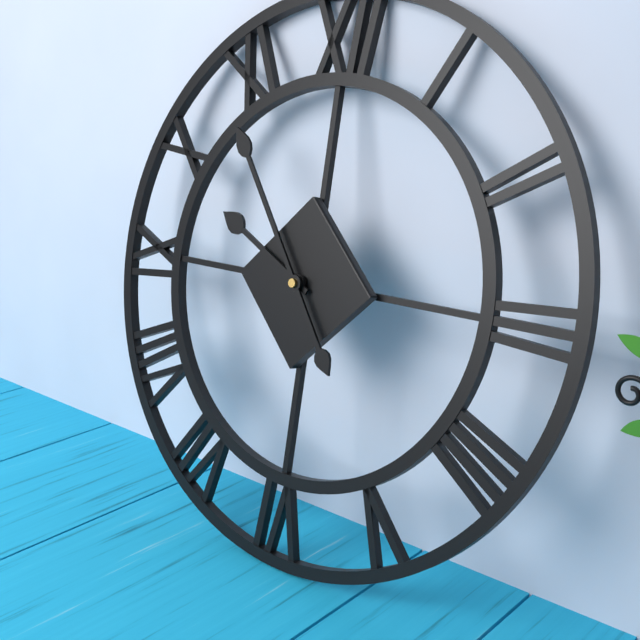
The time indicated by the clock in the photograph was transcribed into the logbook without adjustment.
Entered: 9:54
